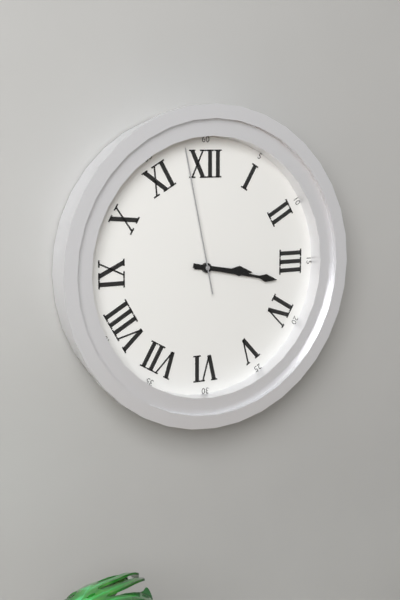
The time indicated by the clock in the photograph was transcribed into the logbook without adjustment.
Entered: 3:17:58
